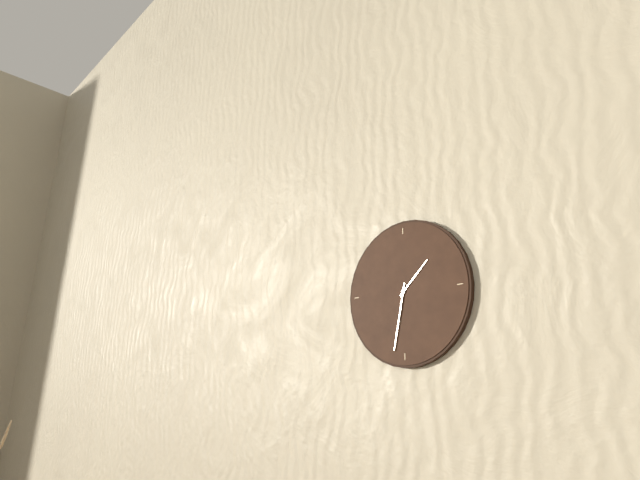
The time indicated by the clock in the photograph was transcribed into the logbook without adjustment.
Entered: 1:32
